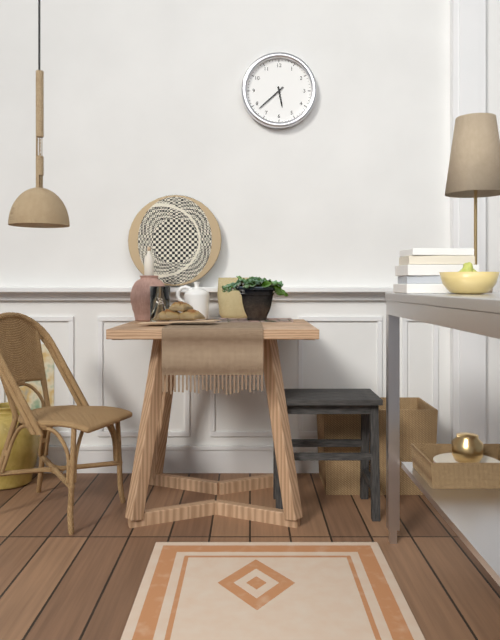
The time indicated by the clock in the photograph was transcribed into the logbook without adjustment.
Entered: 5:38
